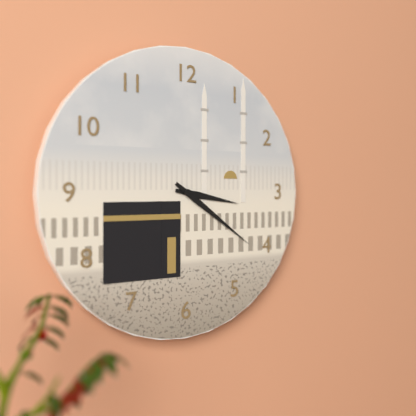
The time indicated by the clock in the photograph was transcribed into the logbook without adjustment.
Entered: 3:21
